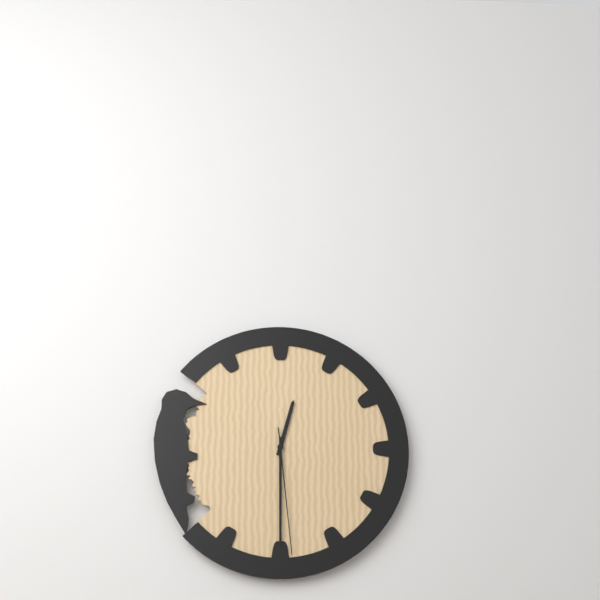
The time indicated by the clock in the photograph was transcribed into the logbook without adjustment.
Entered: 12:30:29
